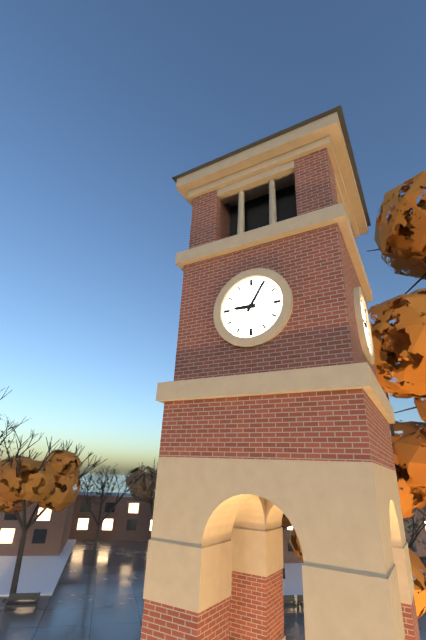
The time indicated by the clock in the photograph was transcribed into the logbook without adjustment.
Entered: 9:05
